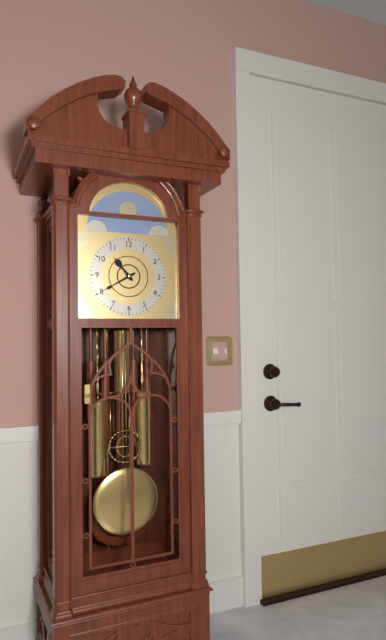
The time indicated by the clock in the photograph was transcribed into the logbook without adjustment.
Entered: 10:40
